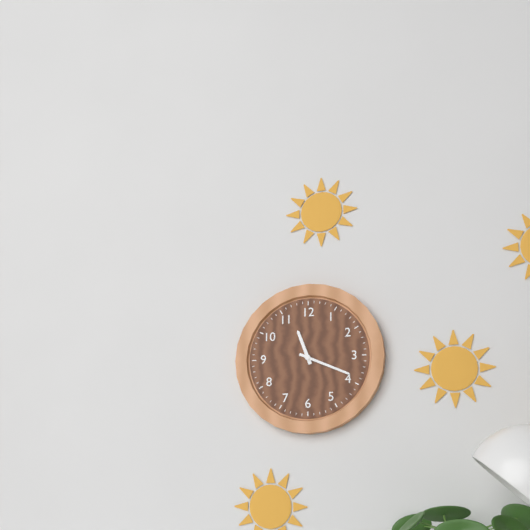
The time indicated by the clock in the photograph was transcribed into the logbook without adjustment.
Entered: 11:19
